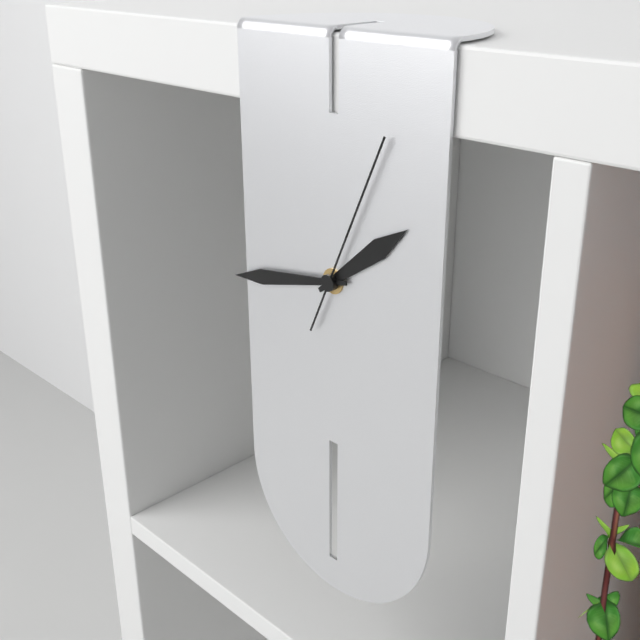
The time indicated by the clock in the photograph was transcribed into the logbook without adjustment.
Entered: 1:43:04
